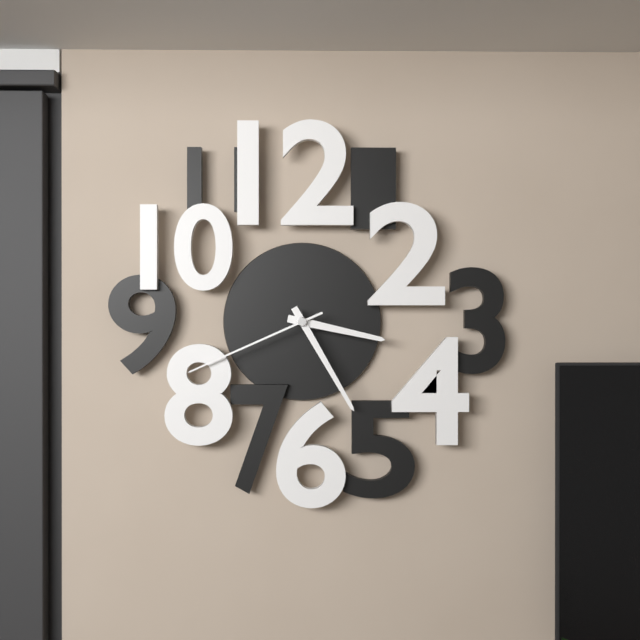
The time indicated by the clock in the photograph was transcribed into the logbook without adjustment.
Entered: 3:25:41
